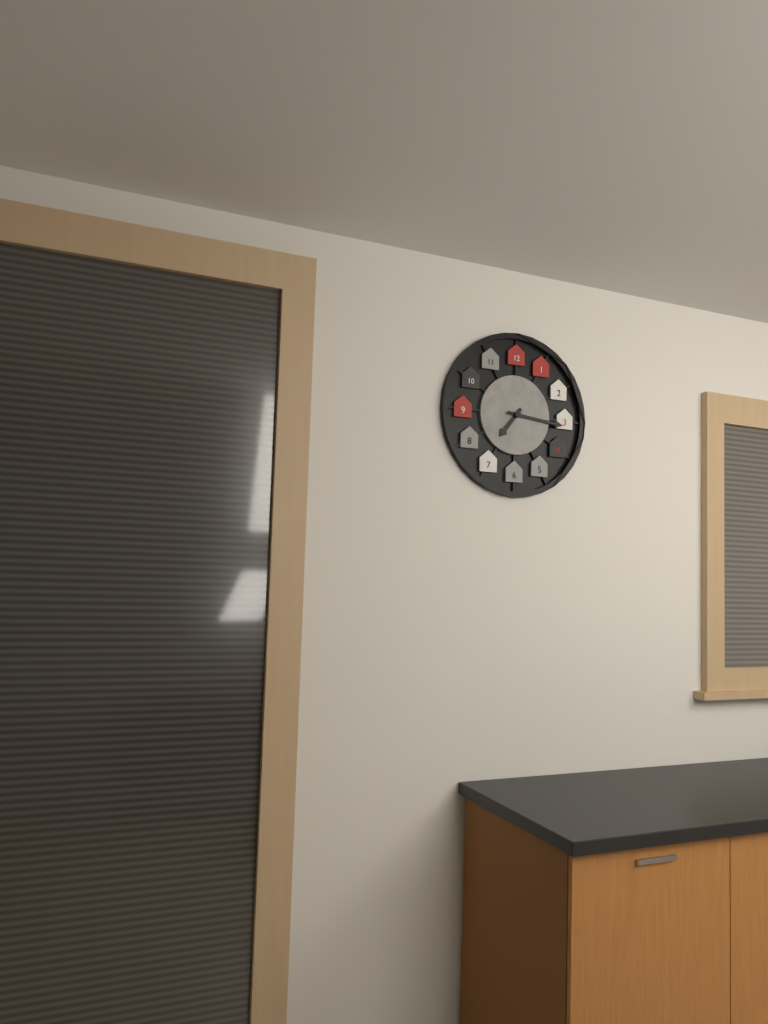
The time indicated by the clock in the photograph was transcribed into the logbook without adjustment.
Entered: 7:16
